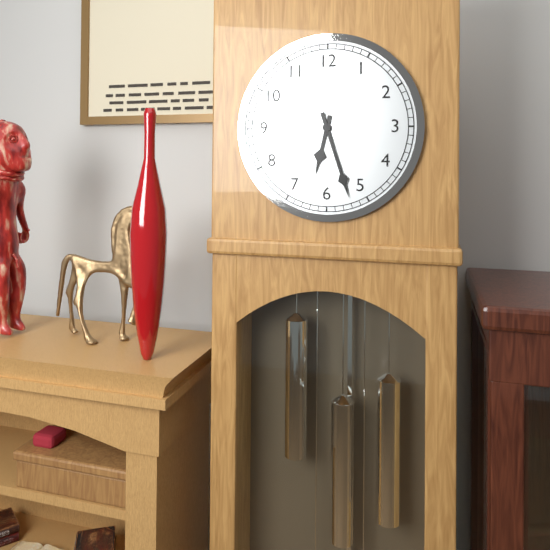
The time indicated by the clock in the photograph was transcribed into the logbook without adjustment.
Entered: 6:27
